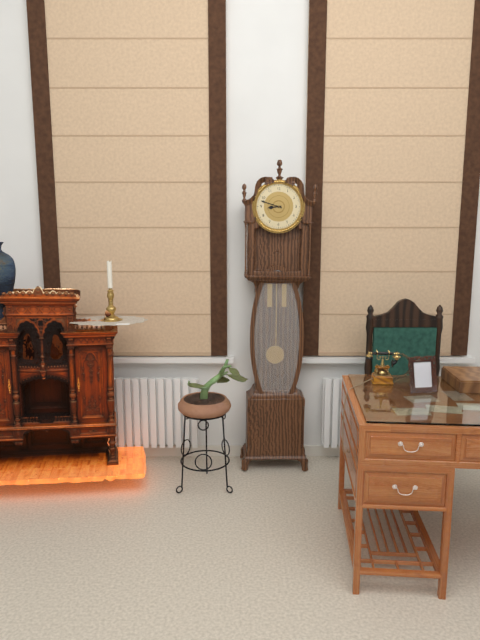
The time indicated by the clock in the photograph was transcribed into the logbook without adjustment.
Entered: 8:48
